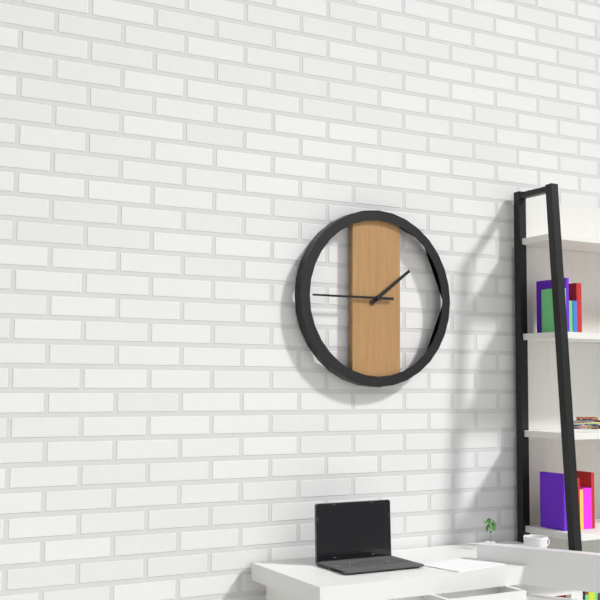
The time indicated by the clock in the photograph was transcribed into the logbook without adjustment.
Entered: 1:45
